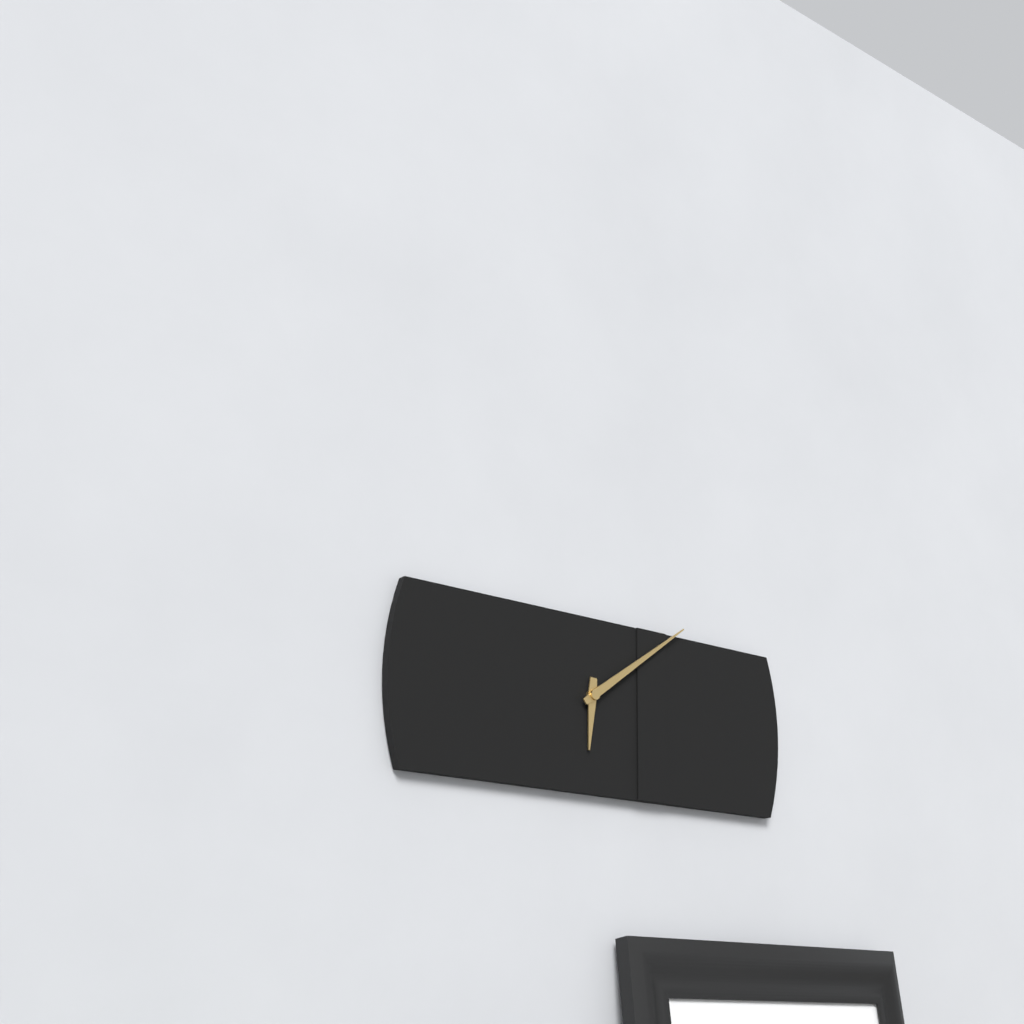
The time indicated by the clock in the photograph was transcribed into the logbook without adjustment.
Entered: 6:09
